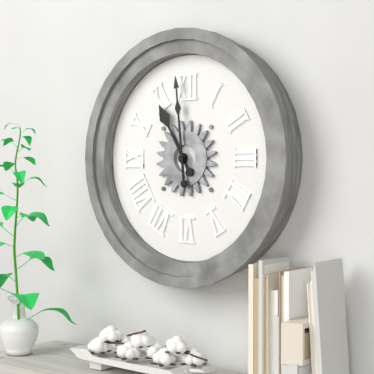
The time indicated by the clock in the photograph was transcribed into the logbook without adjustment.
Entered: 10:59
